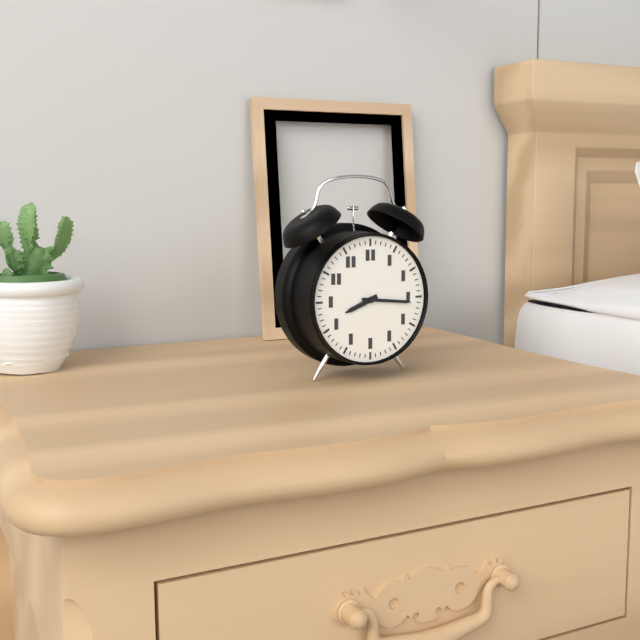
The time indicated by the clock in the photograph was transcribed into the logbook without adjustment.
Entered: 8:16
